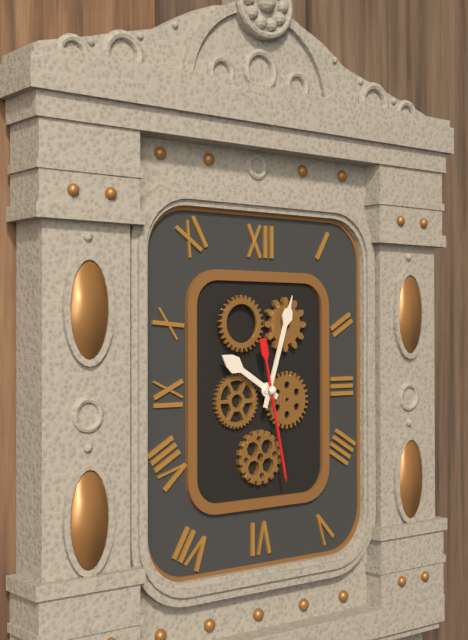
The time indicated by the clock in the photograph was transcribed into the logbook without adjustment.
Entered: 10:03:28
